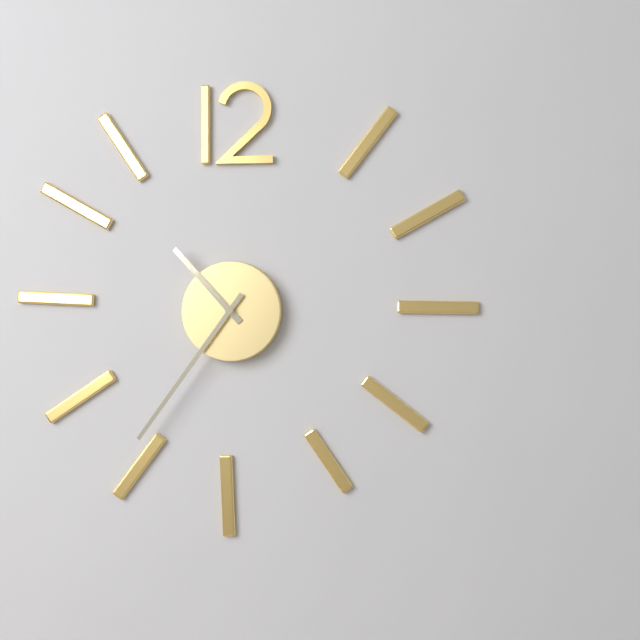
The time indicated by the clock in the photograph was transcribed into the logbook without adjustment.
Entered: 10:36
